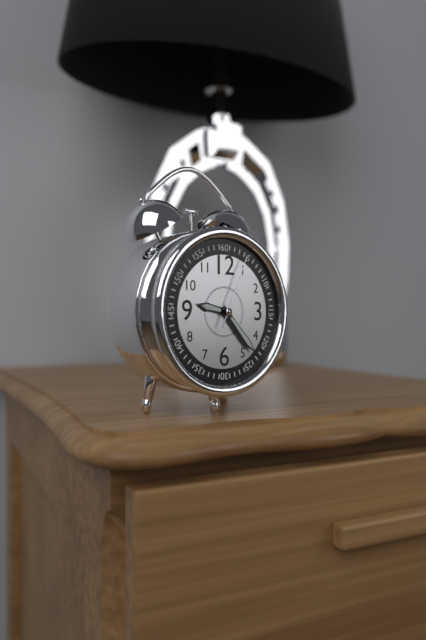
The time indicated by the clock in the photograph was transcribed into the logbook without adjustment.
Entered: 9:23:04
